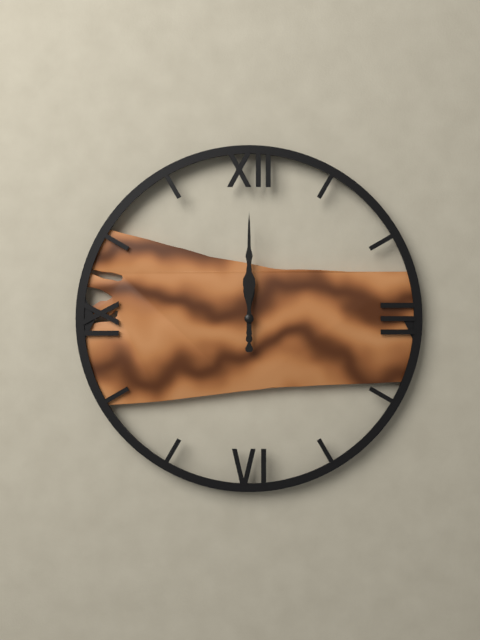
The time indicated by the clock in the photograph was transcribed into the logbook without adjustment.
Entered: 12:00
